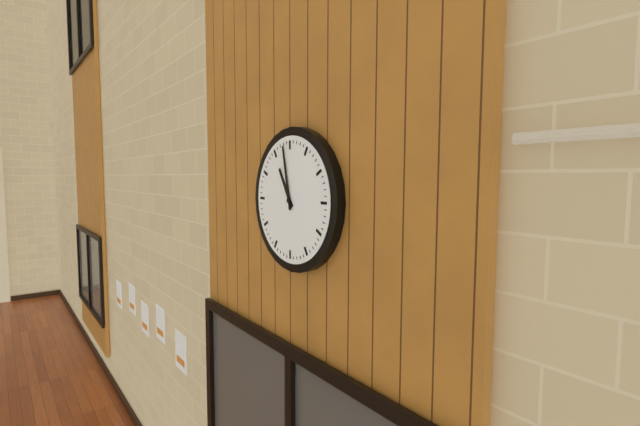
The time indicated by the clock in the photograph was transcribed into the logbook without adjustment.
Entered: 10:58
